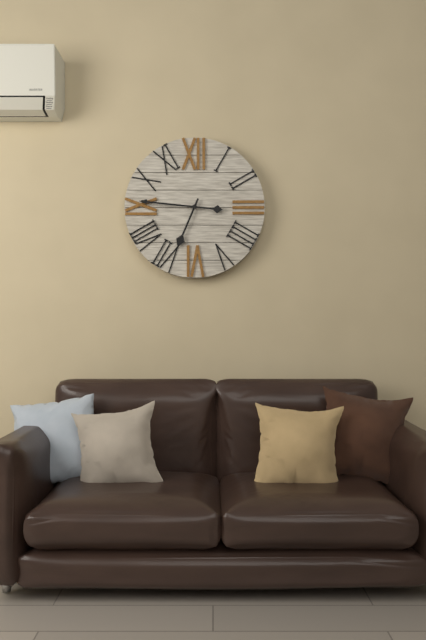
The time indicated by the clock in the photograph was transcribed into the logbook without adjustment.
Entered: 6:46
